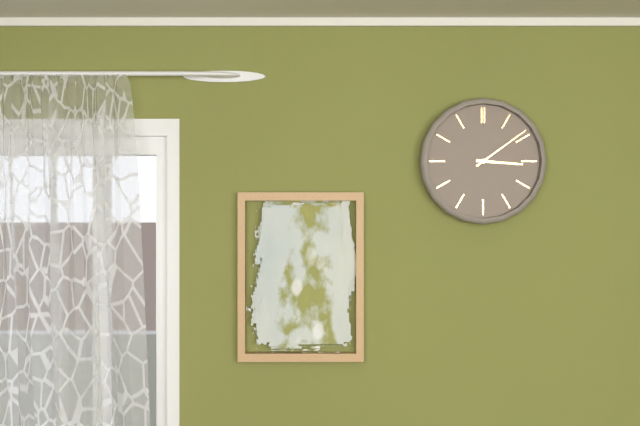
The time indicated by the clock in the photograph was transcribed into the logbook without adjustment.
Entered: 3:09
